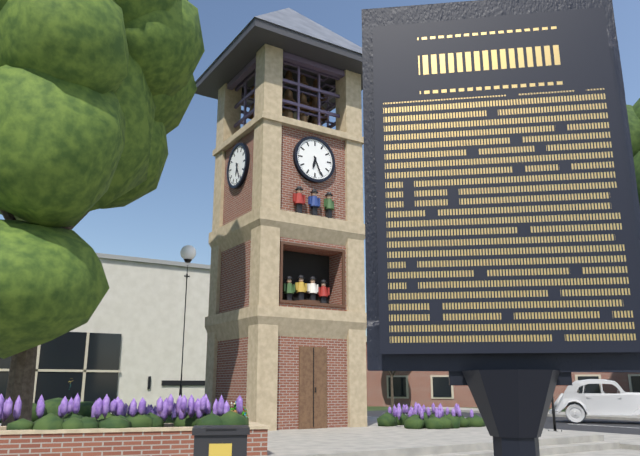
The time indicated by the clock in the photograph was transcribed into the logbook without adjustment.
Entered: 6:26
